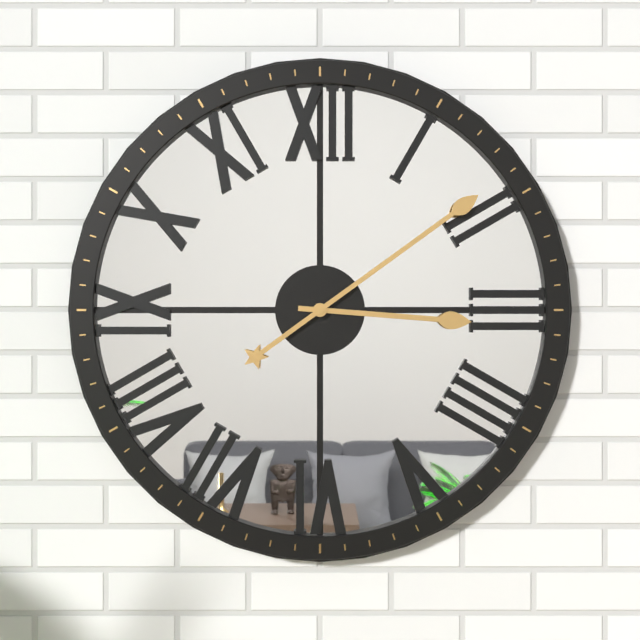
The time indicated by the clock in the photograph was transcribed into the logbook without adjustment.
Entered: 3:09
